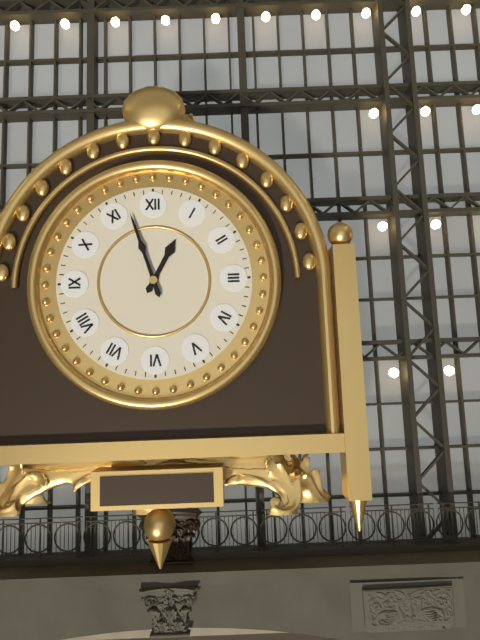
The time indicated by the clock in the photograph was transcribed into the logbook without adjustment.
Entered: 12:57
